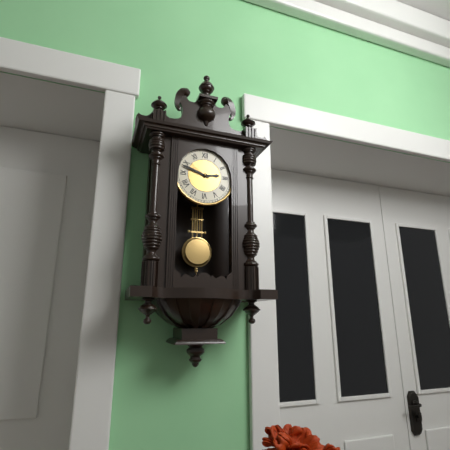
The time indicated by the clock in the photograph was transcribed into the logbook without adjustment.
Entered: 2:48
